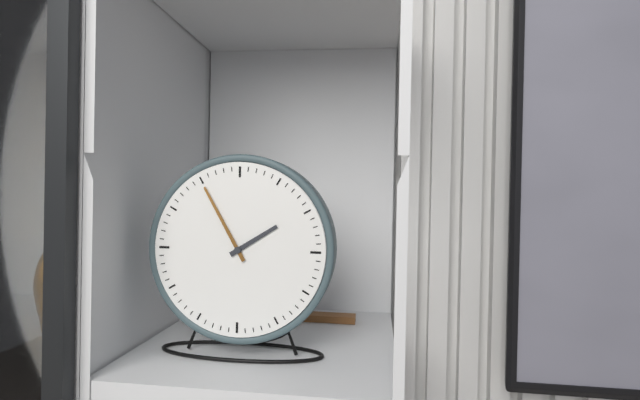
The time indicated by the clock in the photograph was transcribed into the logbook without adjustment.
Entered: 1:55
